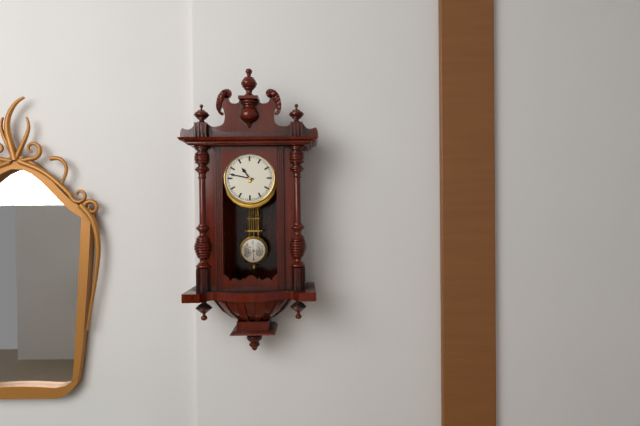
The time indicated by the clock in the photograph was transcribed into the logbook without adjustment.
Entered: 10:47
